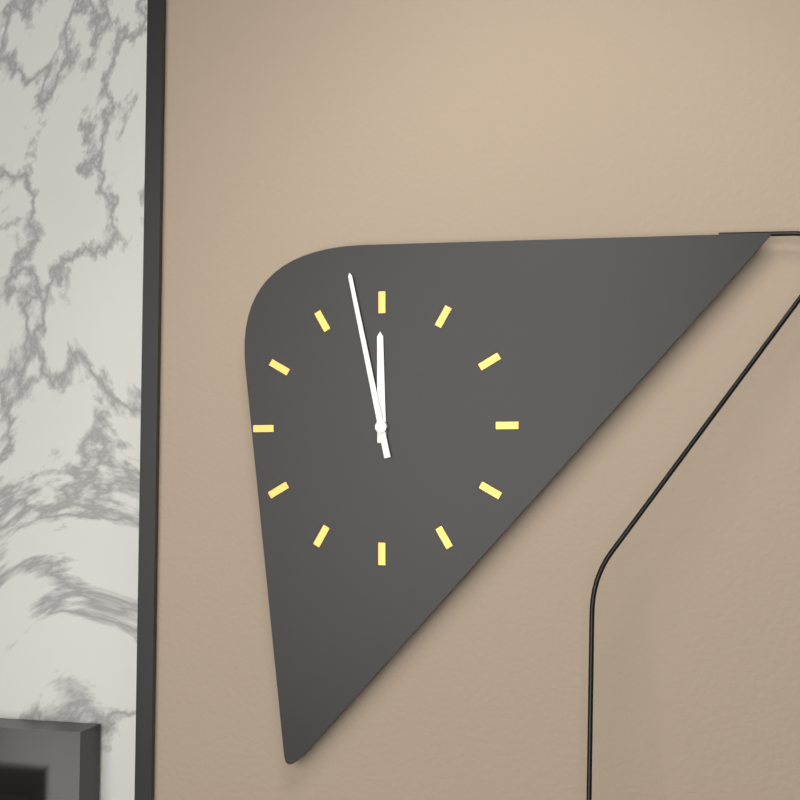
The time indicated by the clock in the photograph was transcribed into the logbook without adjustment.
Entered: 11:58
